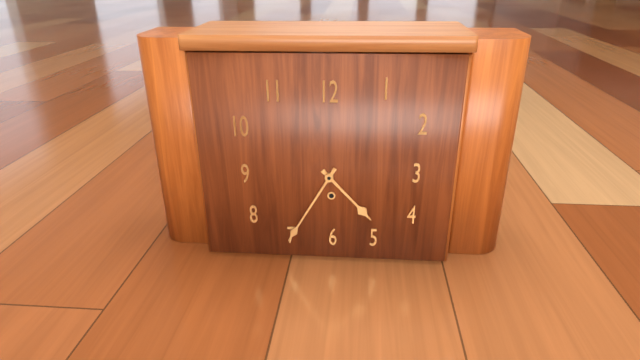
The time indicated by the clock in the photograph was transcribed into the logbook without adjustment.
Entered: 4:35
